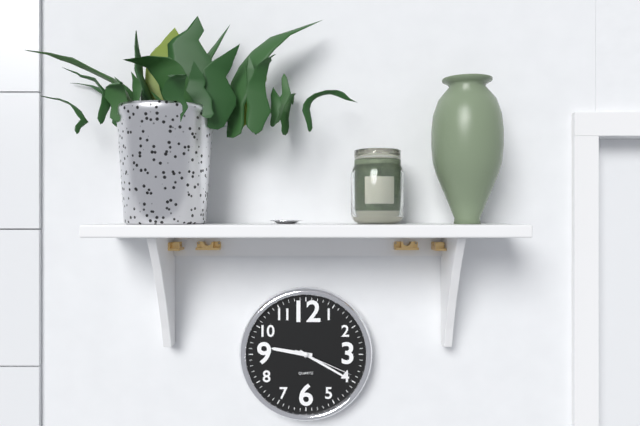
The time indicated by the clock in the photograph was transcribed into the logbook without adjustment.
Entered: 9:20:19
